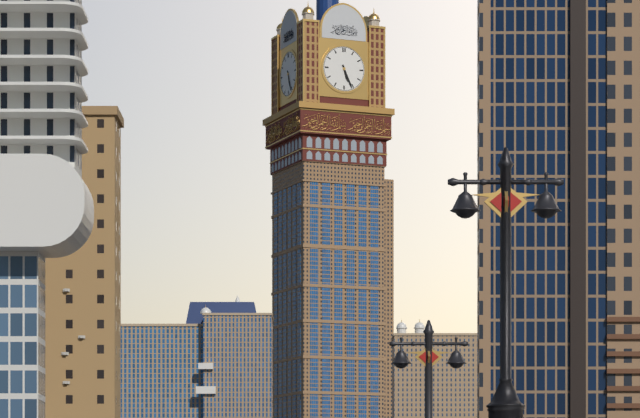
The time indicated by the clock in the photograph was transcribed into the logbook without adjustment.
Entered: 5:26
